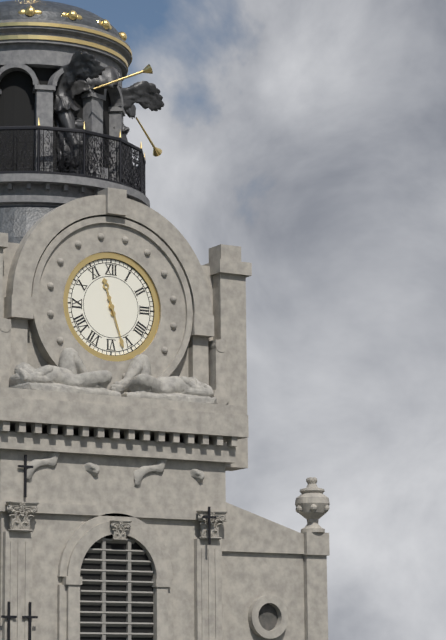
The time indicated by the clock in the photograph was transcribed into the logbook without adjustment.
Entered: 11:27
